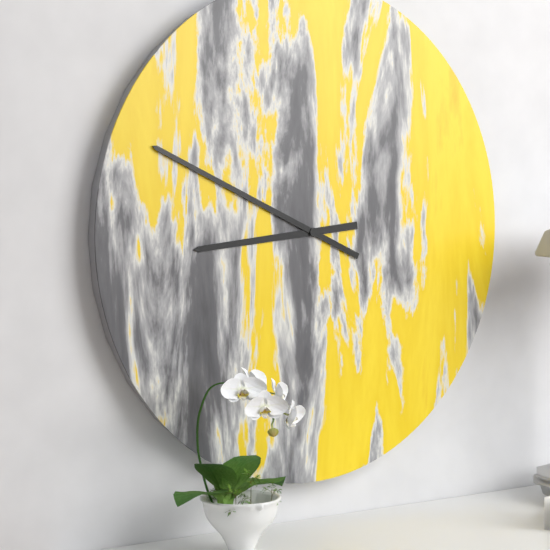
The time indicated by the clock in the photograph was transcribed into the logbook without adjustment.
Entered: 8:49
